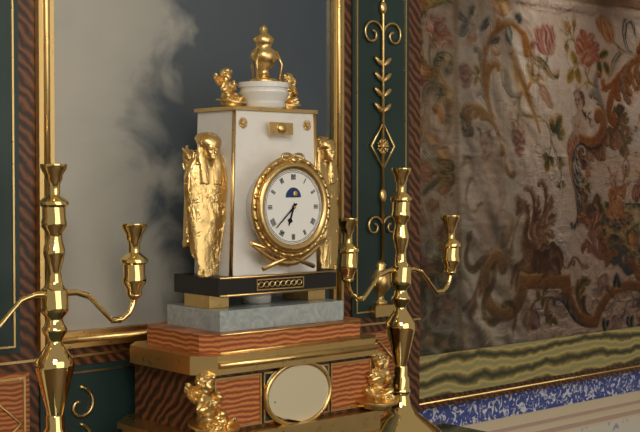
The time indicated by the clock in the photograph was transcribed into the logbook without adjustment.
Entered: 6:38
